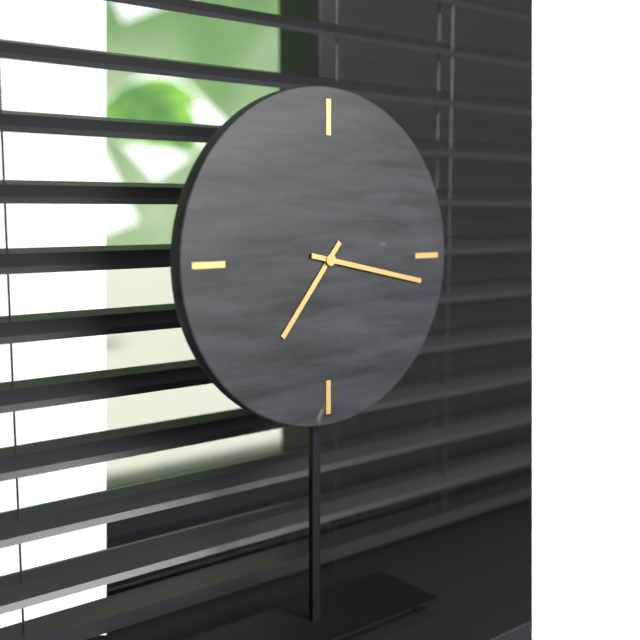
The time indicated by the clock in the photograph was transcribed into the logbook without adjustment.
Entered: 7:17
